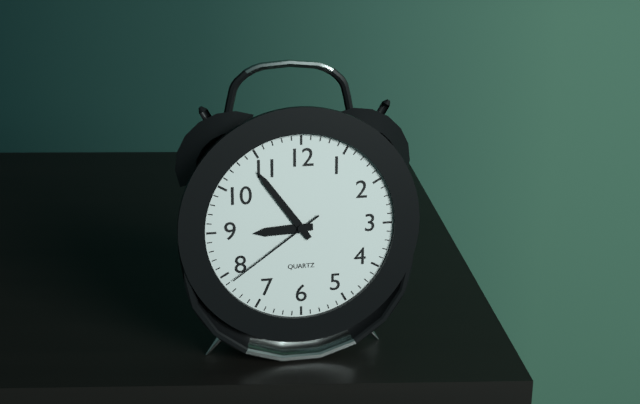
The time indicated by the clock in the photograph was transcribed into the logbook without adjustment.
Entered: 8:54:39
